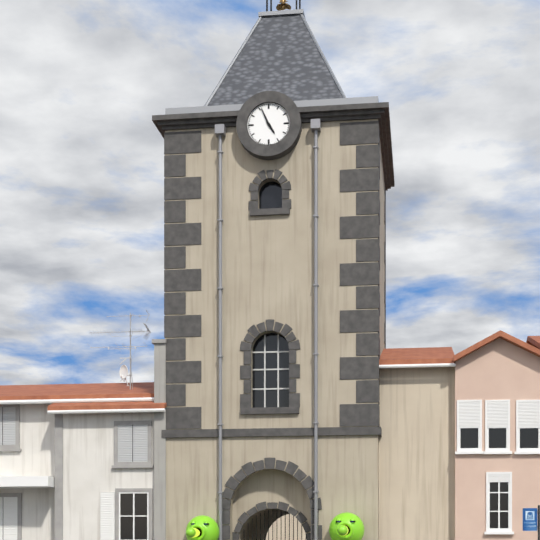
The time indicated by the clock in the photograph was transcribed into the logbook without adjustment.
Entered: 4:56
